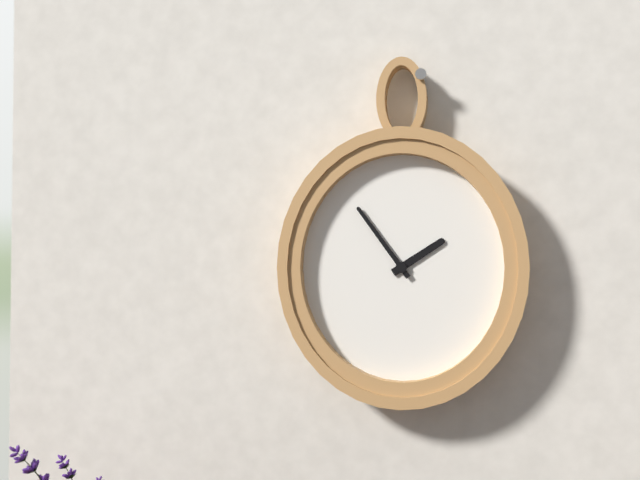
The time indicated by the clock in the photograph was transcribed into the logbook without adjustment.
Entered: 1:54
